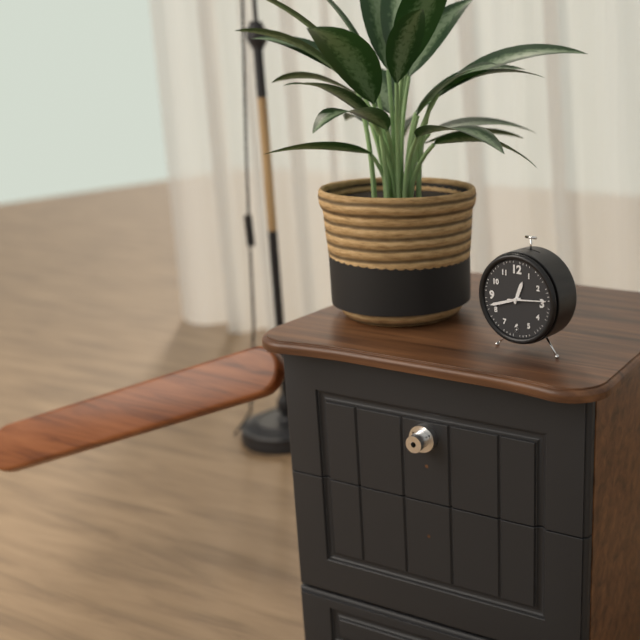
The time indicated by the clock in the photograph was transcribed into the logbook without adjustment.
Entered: 12:42
